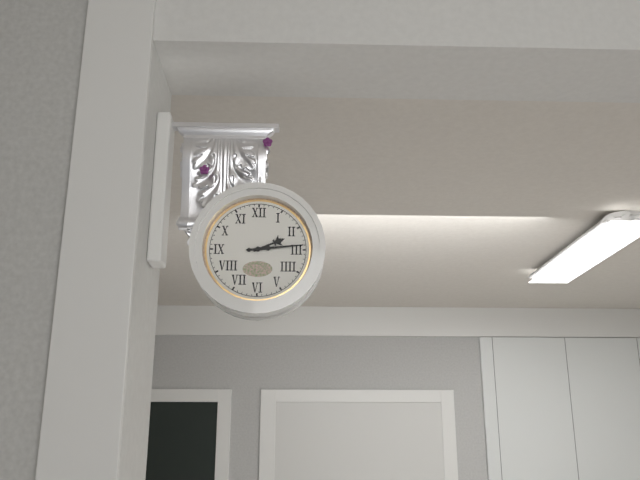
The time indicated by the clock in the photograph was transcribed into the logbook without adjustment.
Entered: 2:14
